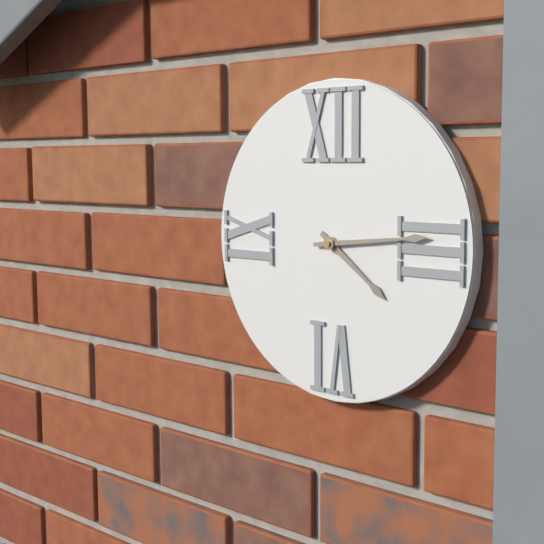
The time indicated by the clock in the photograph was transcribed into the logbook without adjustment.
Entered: 4:14
